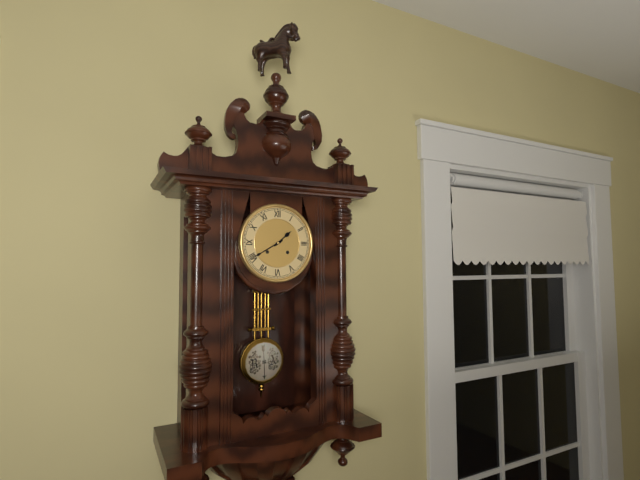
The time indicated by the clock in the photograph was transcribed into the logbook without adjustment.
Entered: 1:40
